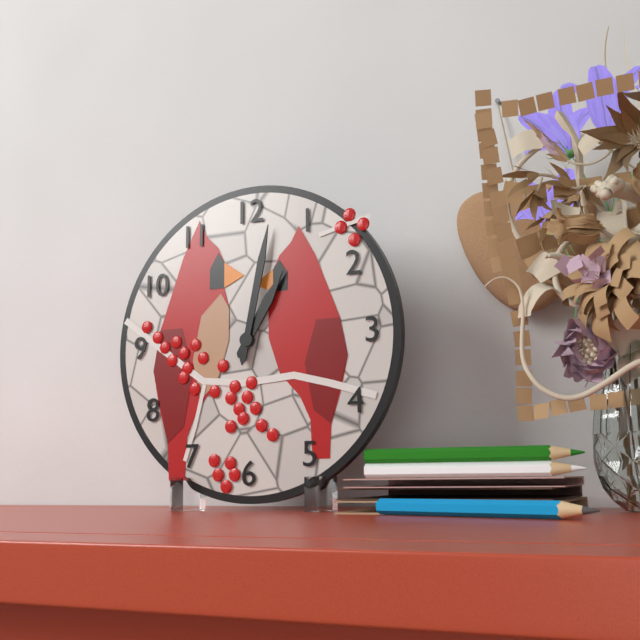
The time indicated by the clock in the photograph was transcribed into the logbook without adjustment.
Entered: 1:02
